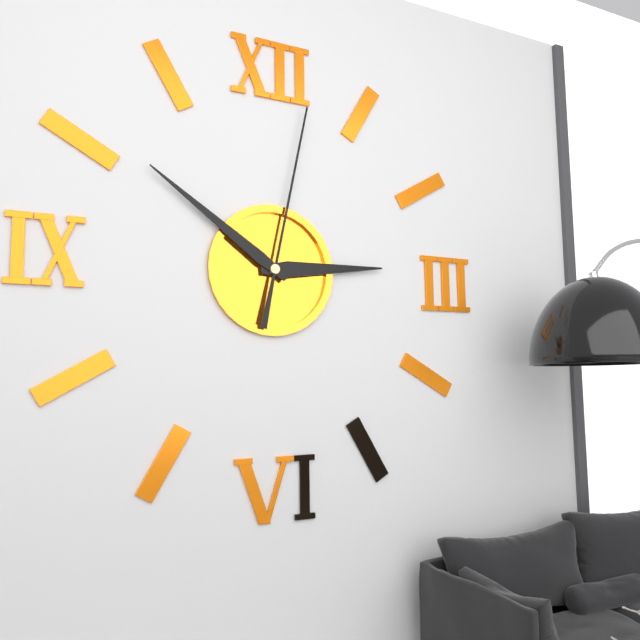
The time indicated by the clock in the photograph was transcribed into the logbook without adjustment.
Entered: 2:51:02
